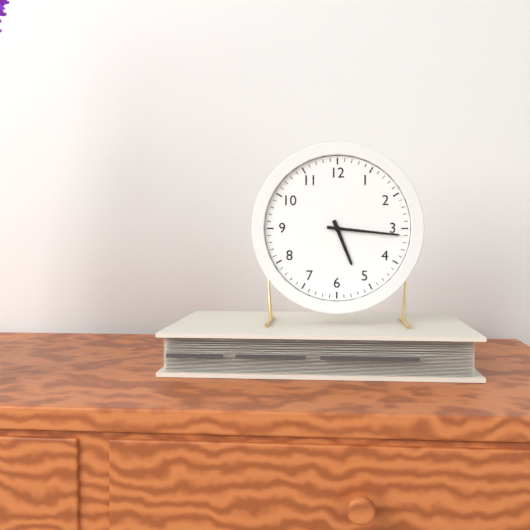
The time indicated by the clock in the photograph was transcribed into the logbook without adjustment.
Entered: 5:16
